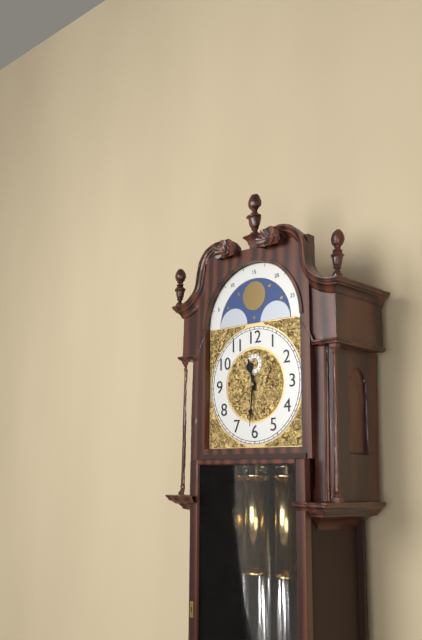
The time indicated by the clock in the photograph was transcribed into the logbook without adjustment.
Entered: 11:31
